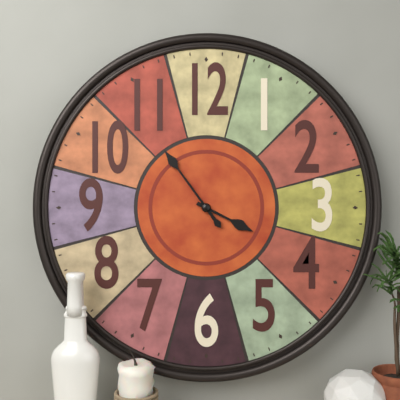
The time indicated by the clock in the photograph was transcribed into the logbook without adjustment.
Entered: 3:54
